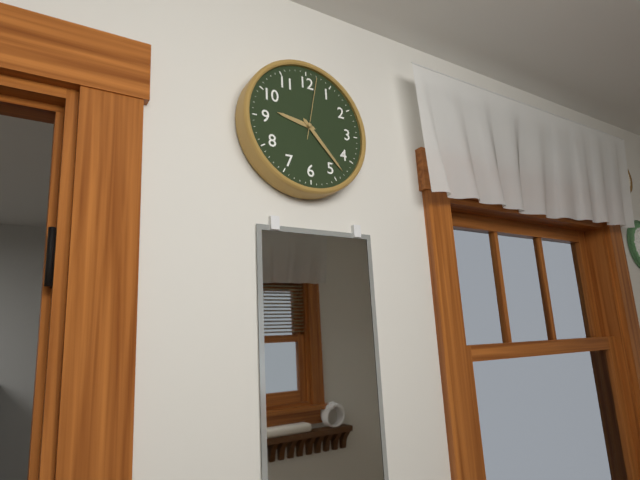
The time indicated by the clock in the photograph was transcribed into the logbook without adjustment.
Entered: 9:23:02
